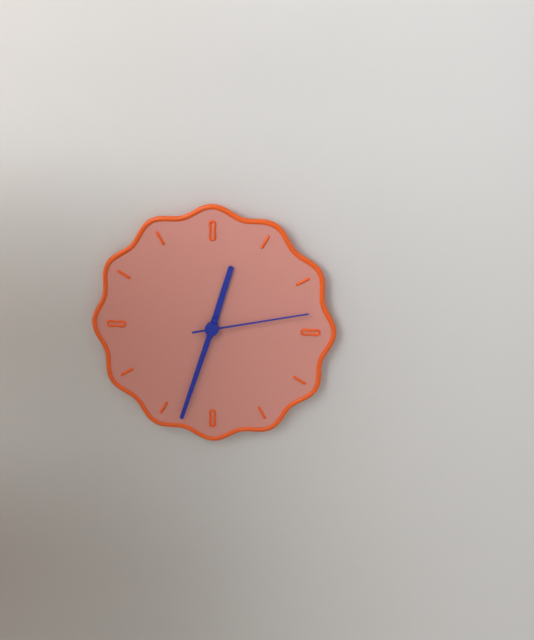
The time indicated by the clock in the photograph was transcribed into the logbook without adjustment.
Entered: 12:33:13
